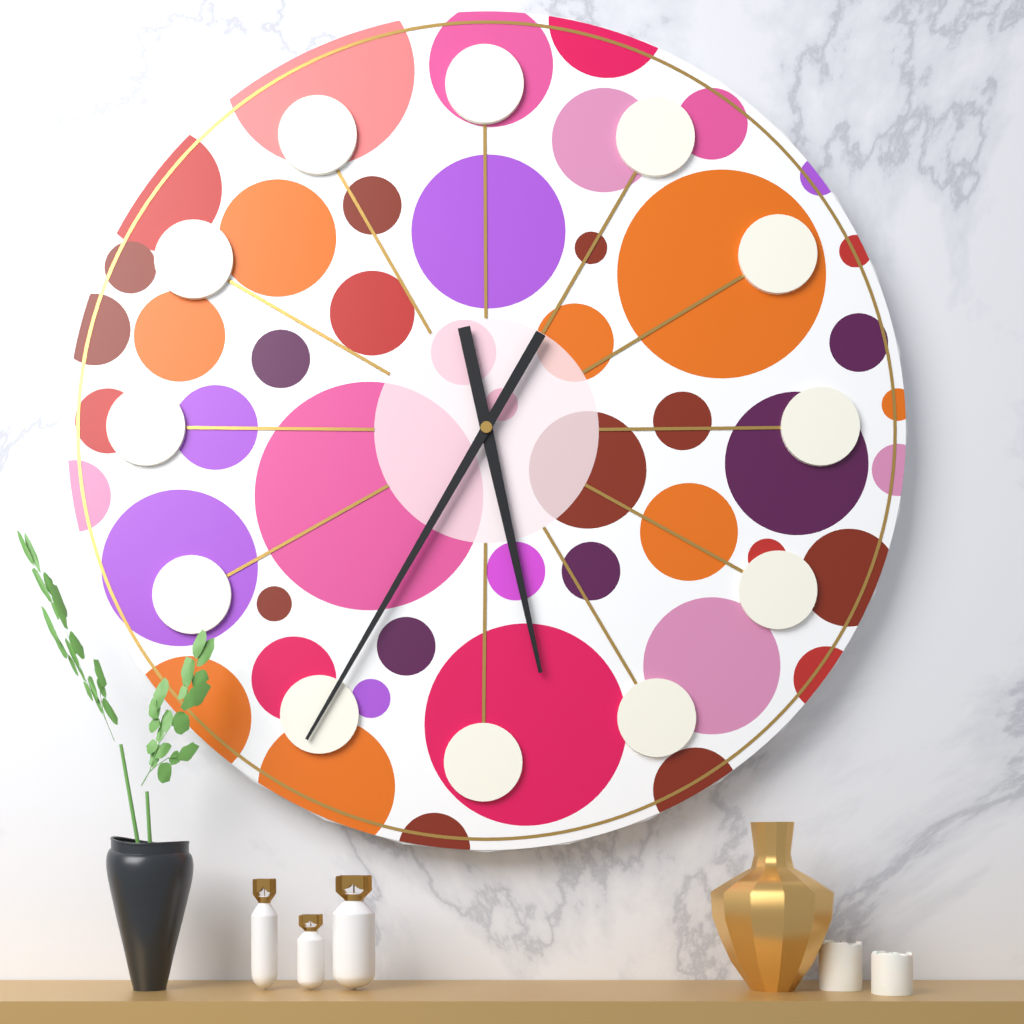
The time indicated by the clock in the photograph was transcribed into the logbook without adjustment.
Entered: 5:35
